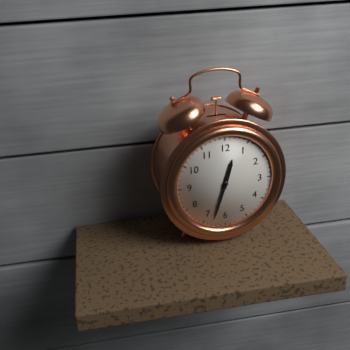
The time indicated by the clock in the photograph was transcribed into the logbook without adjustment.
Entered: 12:33
